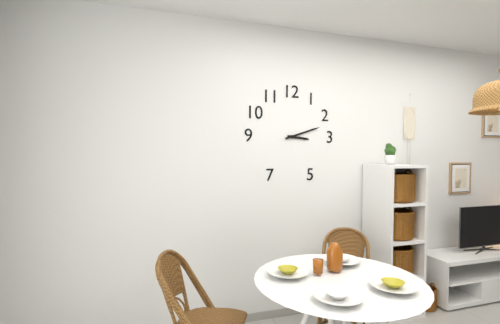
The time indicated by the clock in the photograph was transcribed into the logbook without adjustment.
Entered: 3:12
